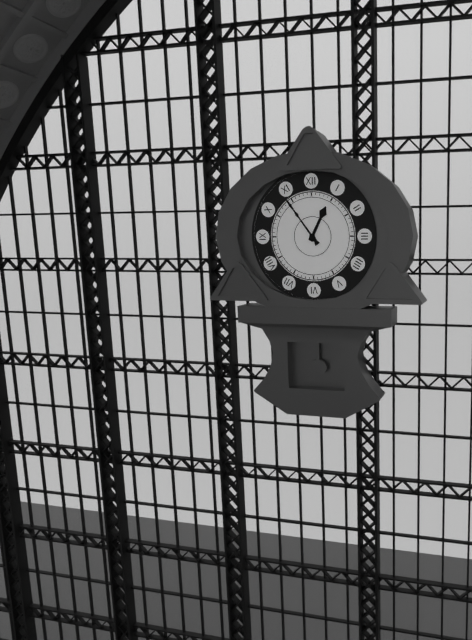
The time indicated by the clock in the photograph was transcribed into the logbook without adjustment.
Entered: 12:54
